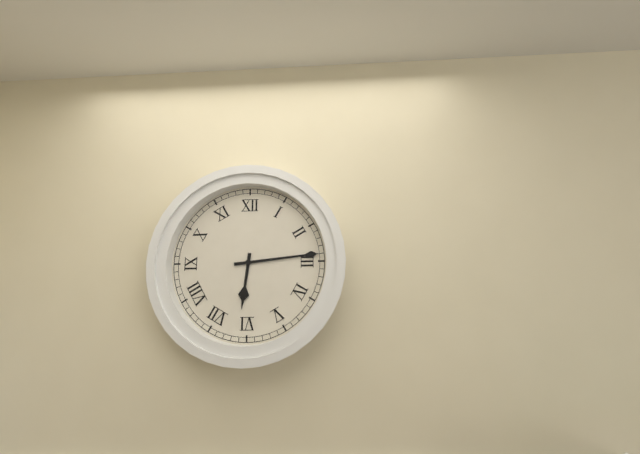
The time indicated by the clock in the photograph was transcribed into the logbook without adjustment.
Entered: 6:14
